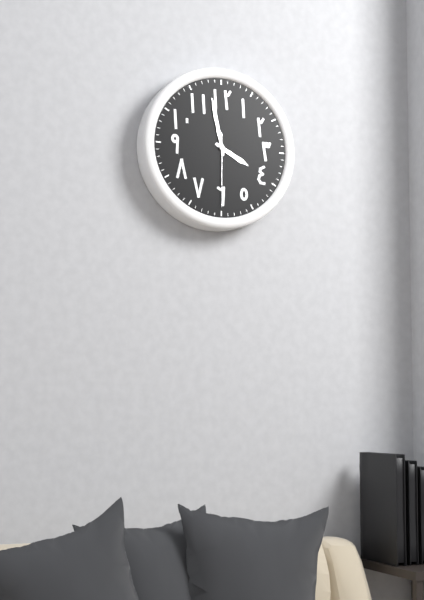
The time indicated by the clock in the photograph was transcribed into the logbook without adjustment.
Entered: 3:58:30
